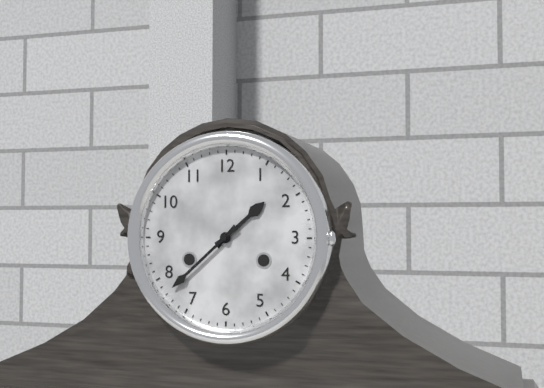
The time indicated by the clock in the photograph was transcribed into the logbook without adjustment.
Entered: 1:38
